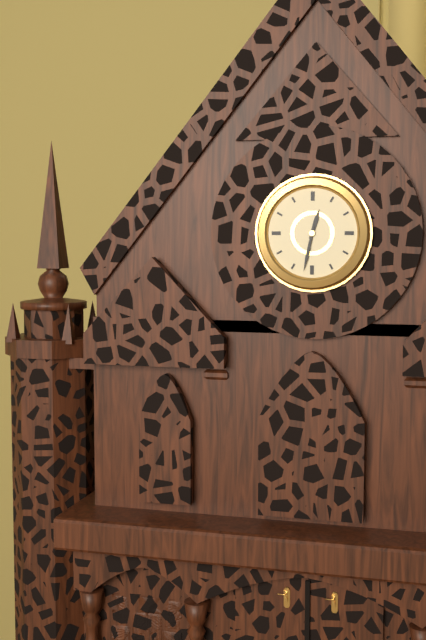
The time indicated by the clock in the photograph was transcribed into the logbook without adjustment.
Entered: 12:32
